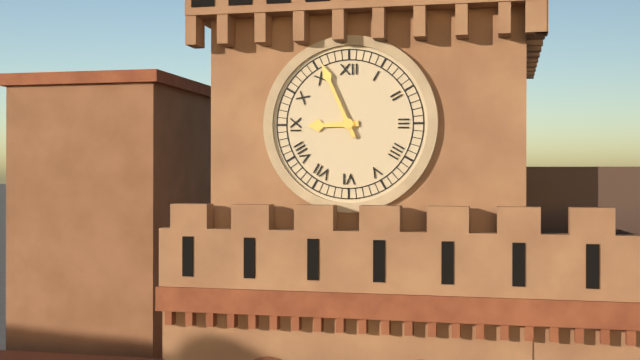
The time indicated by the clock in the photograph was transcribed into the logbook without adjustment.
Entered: 8:56
